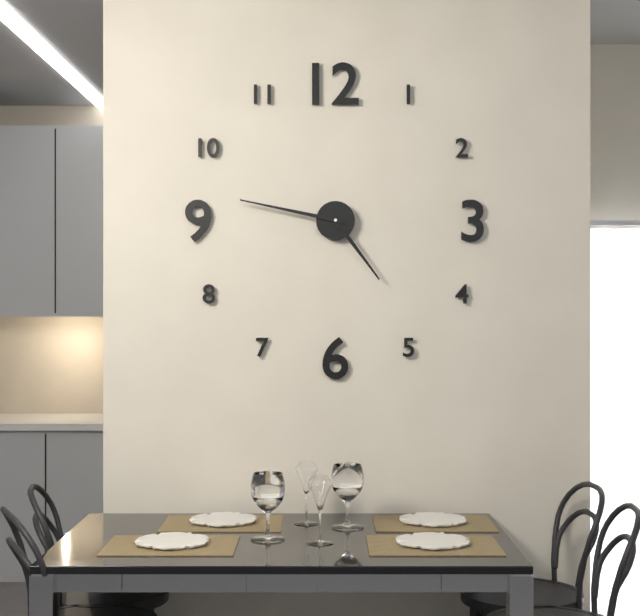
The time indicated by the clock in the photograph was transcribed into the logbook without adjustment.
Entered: 4:47
